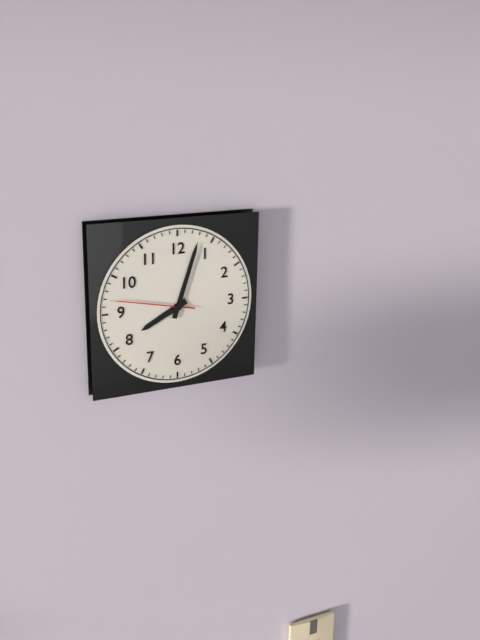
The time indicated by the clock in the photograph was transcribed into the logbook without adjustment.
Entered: 8:03:47
